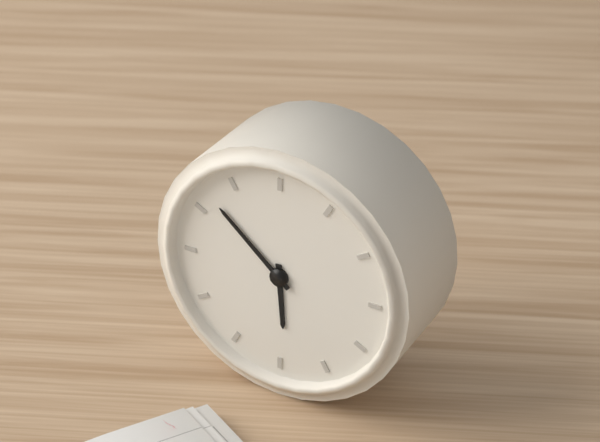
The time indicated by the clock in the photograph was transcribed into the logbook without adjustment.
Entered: 5:52
